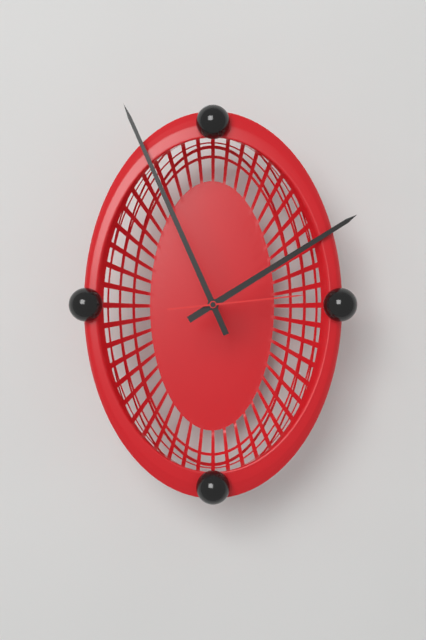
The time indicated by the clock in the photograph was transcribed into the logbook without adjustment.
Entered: 1:56:14
